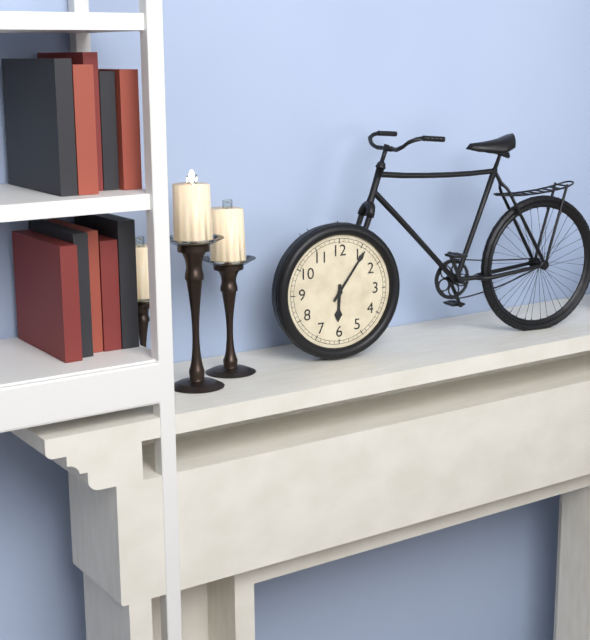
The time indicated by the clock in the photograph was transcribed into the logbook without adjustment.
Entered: 6:06
